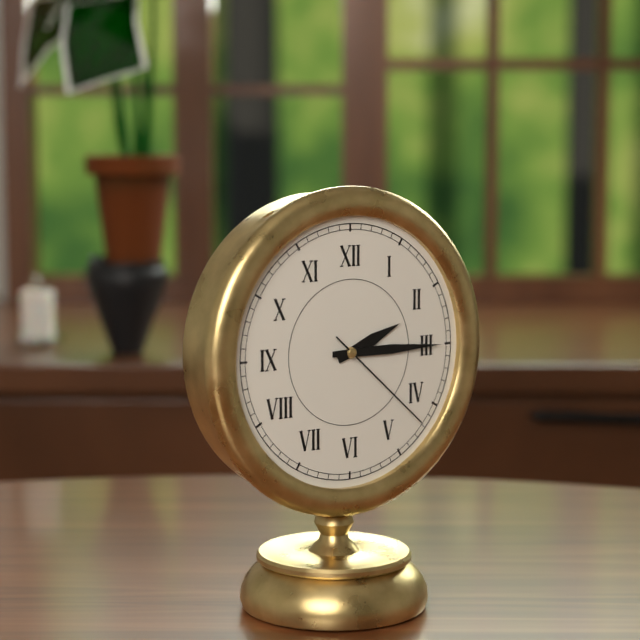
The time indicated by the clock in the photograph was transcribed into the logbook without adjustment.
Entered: 2:15:22
